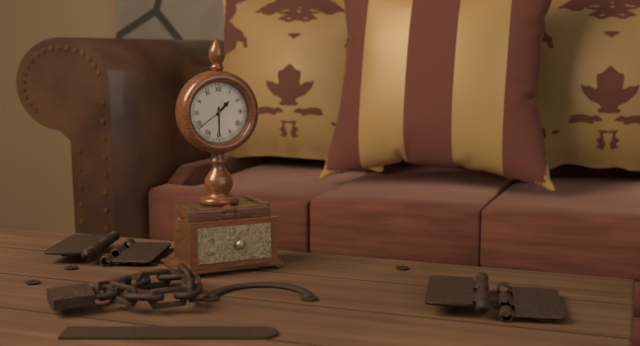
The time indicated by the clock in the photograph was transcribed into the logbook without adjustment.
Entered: 1:30
